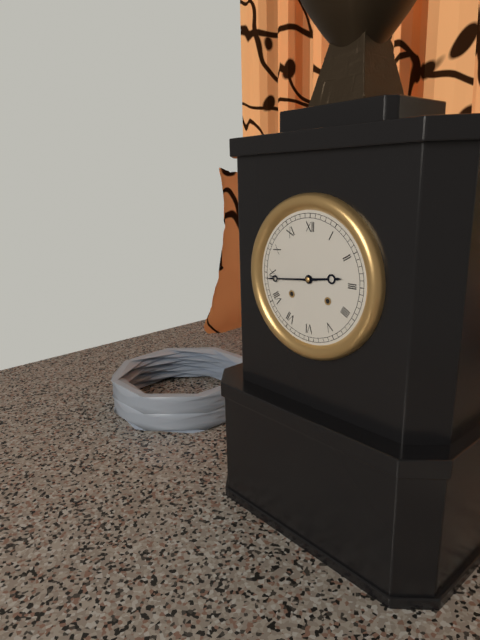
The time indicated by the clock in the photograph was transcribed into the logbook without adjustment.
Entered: 2:44
